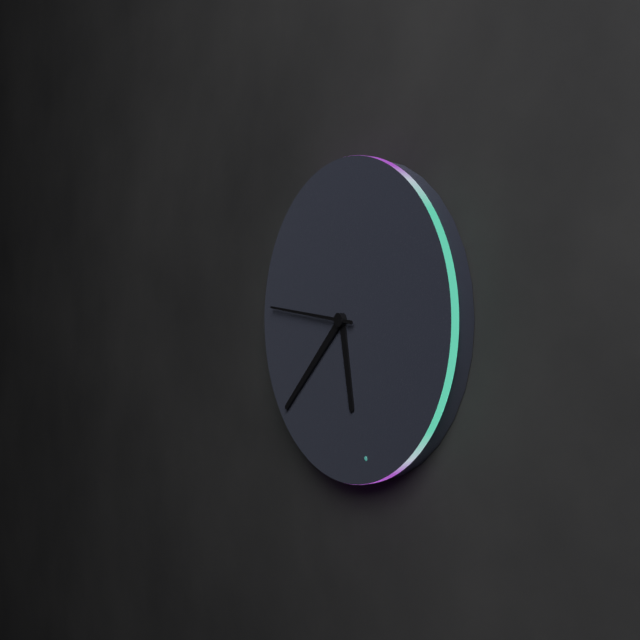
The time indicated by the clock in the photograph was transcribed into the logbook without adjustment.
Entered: 5:38:46
